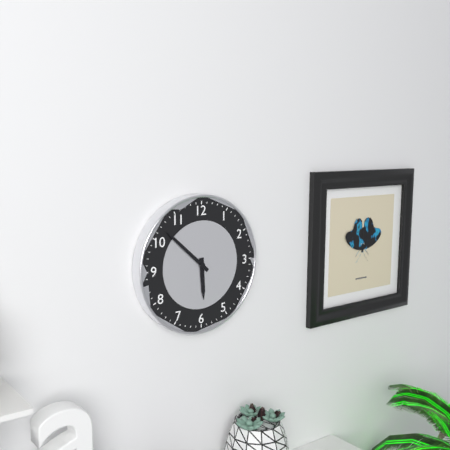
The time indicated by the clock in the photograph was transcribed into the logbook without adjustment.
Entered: 5:52
